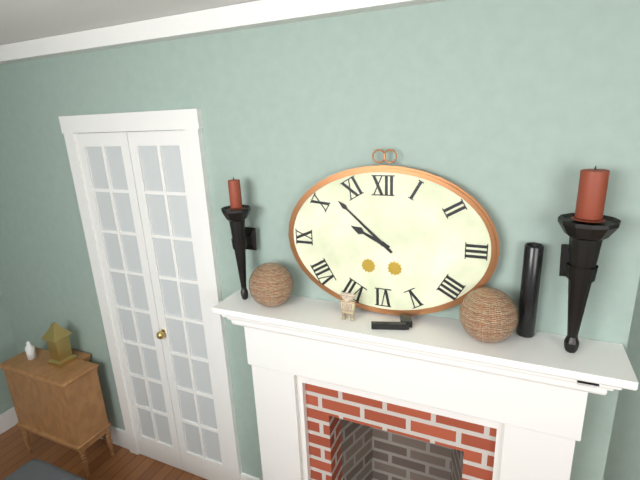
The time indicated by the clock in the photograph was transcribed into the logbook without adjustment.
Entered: 9:52
